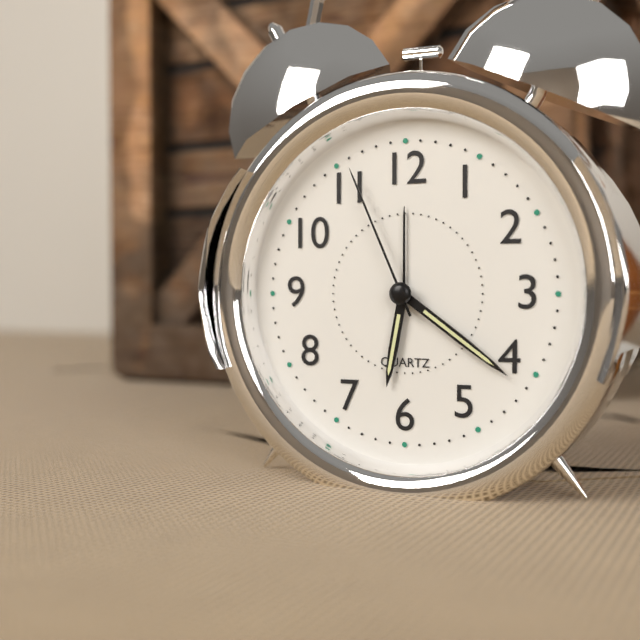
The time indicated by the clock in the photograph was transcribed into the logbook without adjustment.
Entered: 6:21:56
